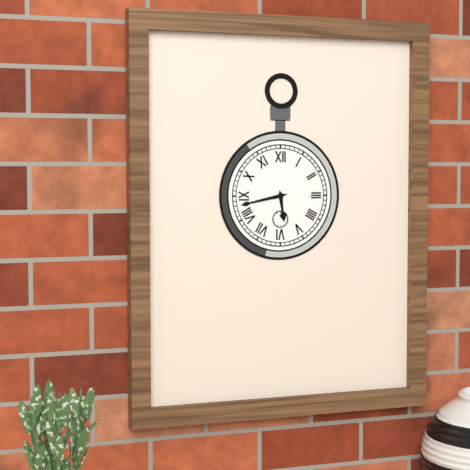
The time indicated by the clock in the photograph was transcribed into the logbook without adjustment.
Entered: 5:43
